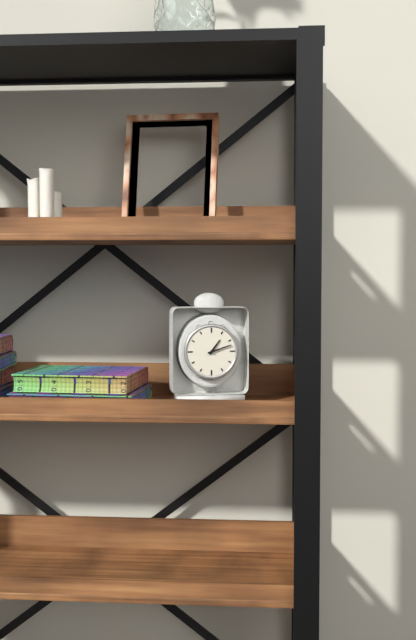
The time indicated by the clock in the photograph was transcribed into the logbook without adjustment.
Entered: 1:12
